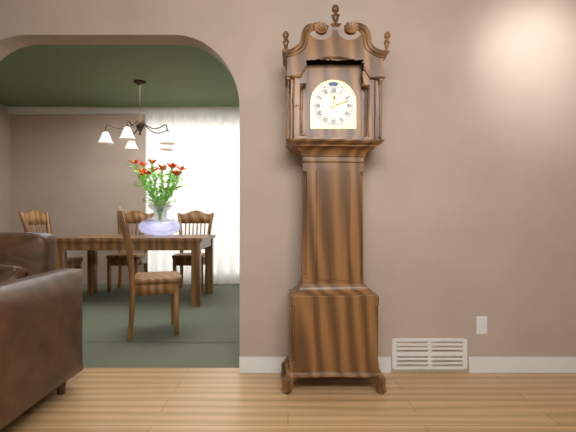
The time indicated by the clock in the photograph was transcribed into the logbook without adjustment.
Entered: 12:12
